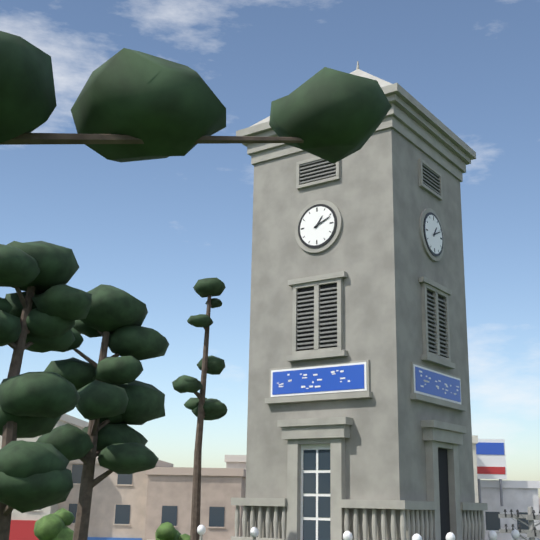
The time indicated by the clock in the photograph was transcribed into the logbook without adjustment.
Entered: 1:11
